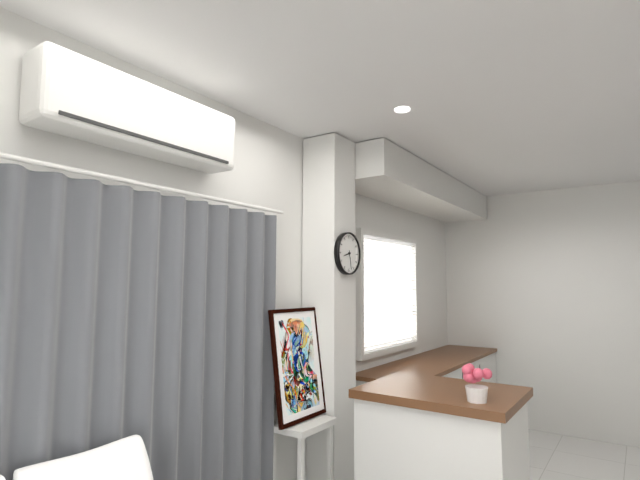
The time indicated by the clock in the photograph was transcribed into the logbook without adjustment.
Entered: 8:28
